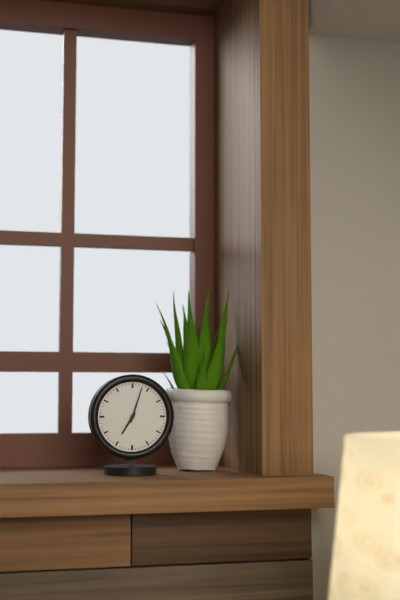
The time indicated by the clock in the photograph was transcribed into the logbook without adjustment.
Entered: 7:03
